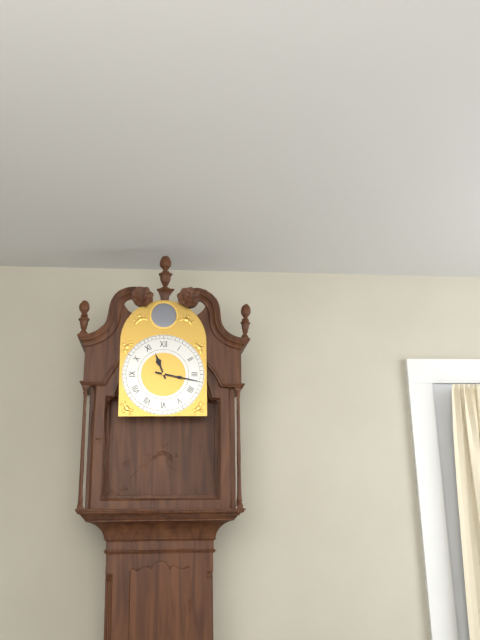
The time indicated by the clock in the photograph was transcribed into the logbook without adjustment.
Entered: 11:17
